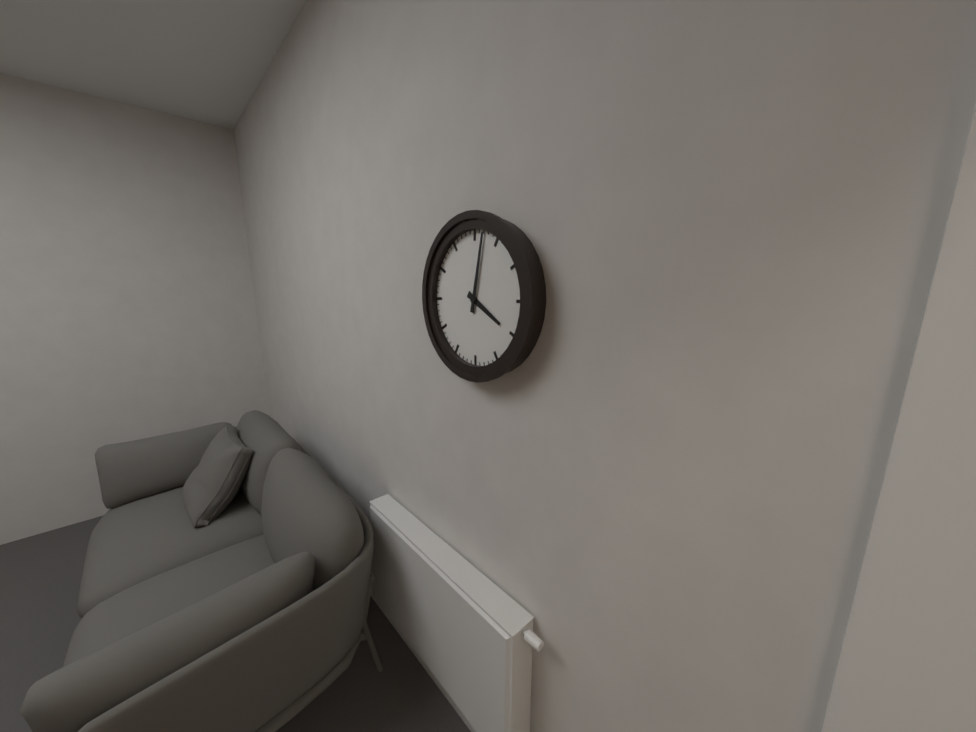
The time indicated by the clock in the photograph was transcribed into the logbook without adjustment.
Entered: 4:02
